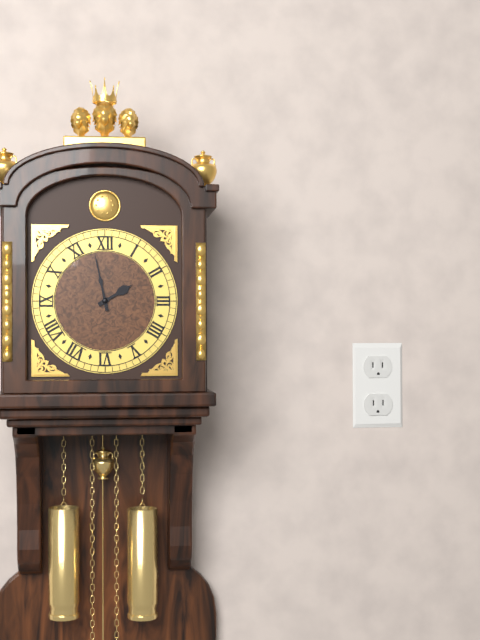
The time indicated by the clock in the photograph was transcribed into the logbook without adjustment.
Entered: 1:58
